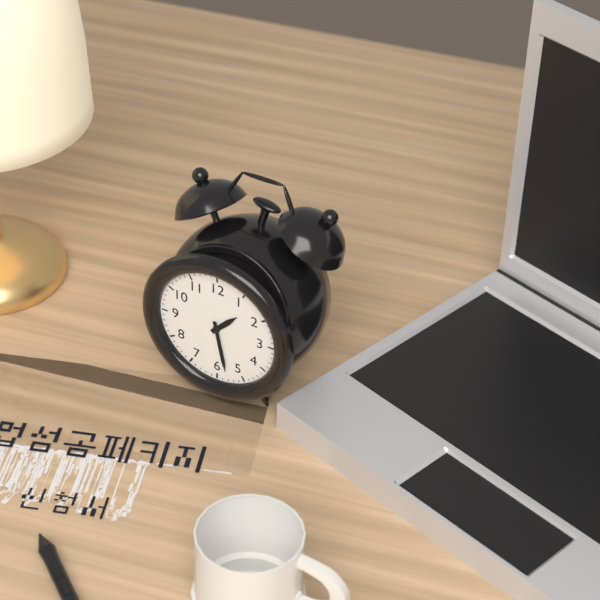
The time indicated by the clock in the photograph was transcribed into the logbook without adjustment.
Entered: 1:28
